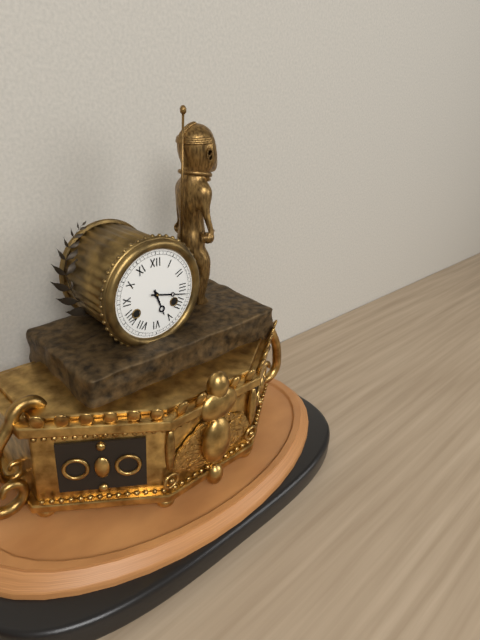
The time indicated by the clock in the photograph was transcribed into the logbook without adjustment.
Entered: 5:17
